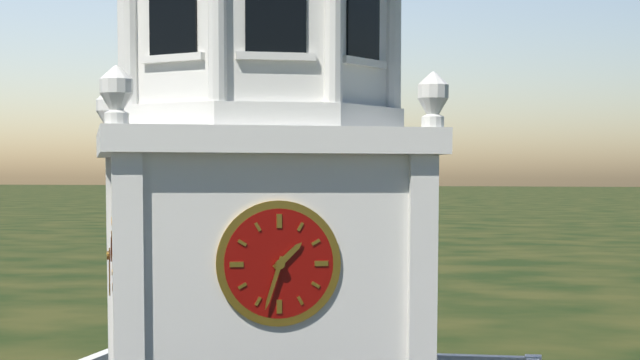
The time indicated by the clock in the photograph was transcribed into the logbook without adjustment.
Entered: 1:33
